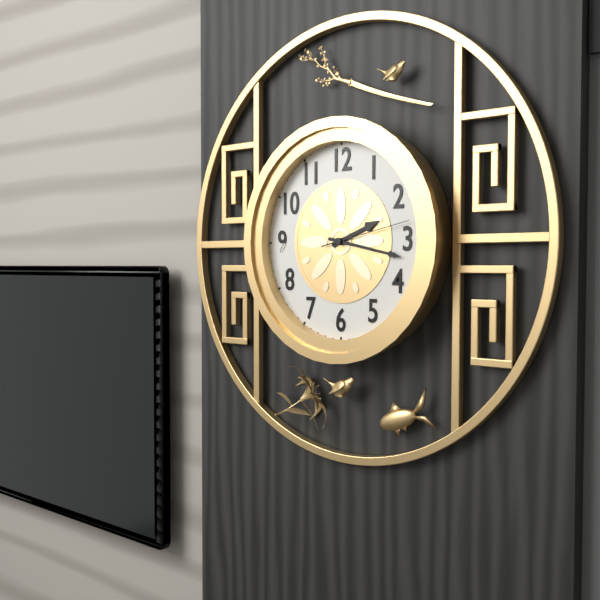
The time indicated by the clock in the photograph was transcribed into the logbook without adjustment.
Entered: 2:17:13
